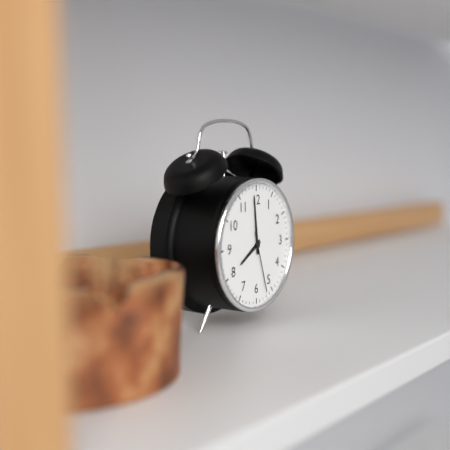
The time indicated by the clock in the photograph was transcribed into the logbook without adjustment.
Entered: 7:59:27
